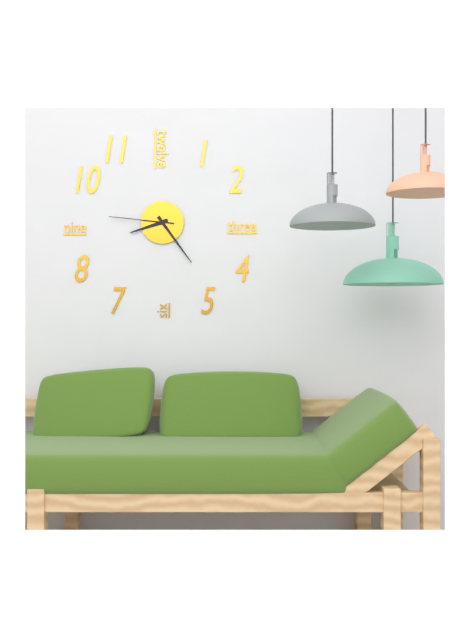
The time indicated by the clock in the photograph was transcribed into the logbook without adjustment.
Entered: 8:24:46
